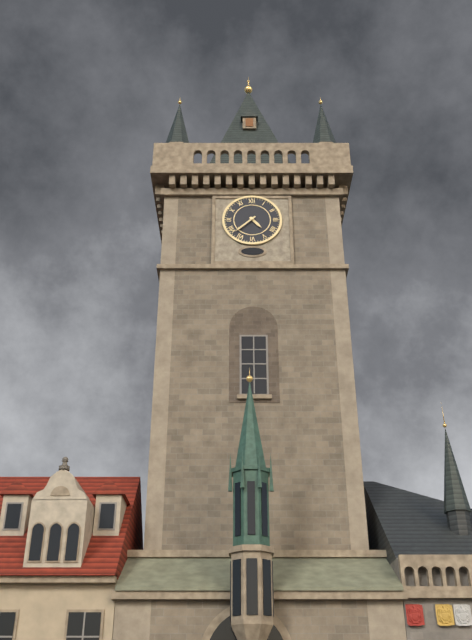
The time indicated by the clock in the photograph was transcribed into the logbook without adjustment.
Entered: 4:38
